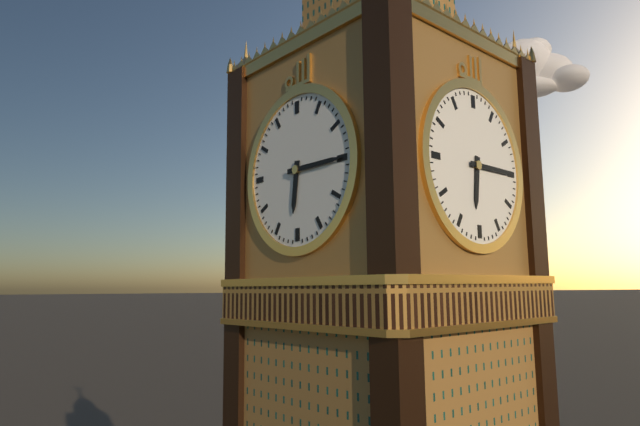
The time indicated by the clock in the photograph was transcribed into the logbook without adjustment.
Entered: 6:15
